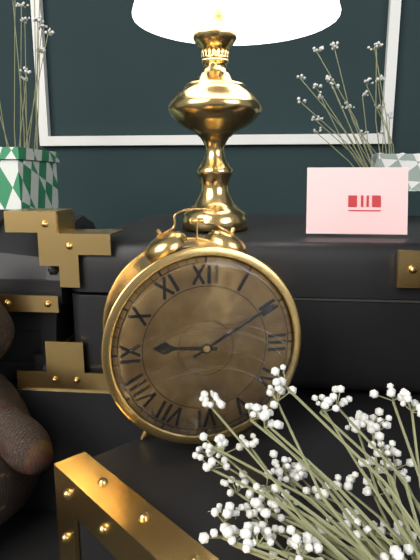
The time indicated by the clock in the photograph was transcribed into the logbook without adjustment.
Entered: 9:10
